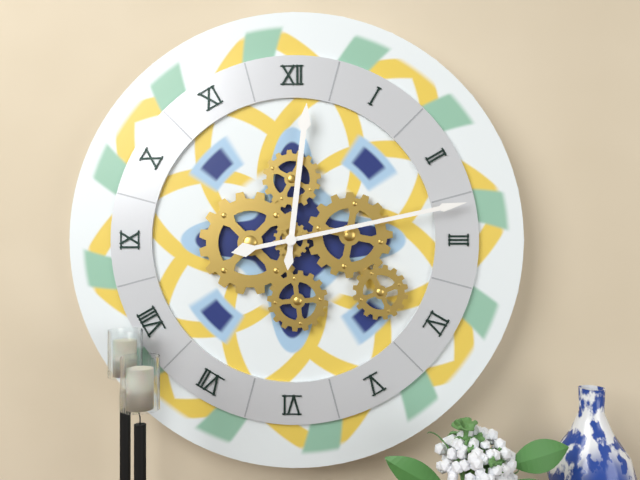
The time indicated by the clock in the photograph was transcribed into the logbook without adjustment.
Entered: 12:13
